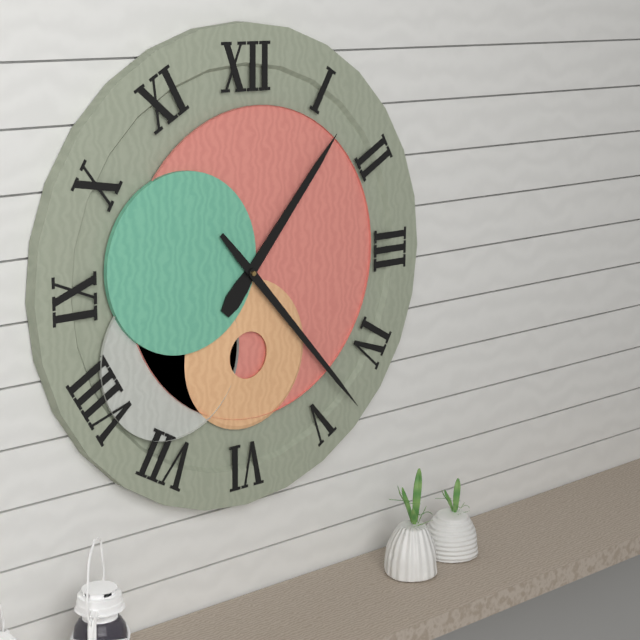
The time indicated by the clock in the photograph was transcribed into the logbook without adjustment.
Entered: 1:23
